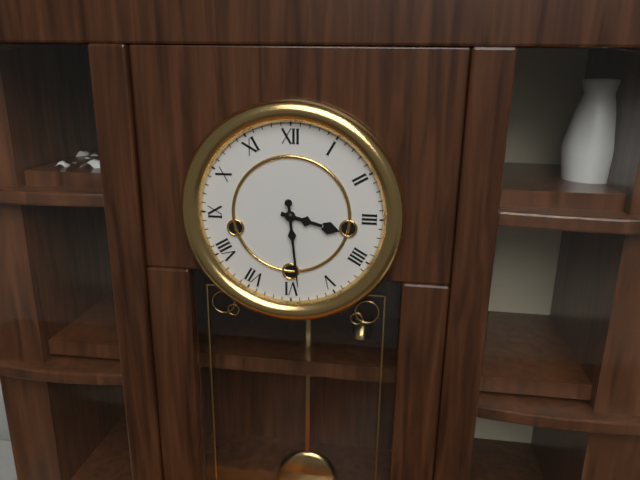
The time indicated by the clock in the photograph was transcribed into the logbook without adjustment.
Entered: 3:29
